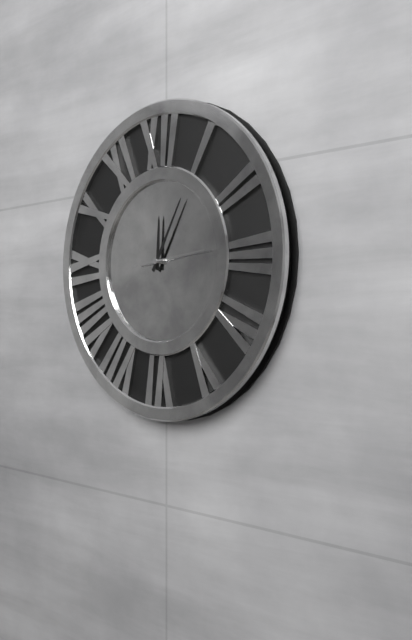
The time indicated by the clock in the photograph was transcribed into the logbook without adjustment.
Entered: 12:05:14
